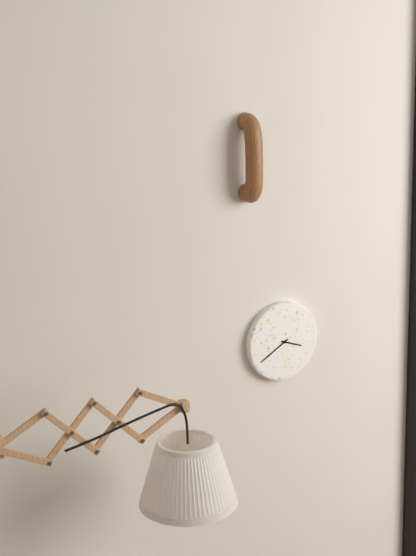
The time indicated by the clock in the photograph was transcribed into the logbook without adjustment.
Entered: 3:40
